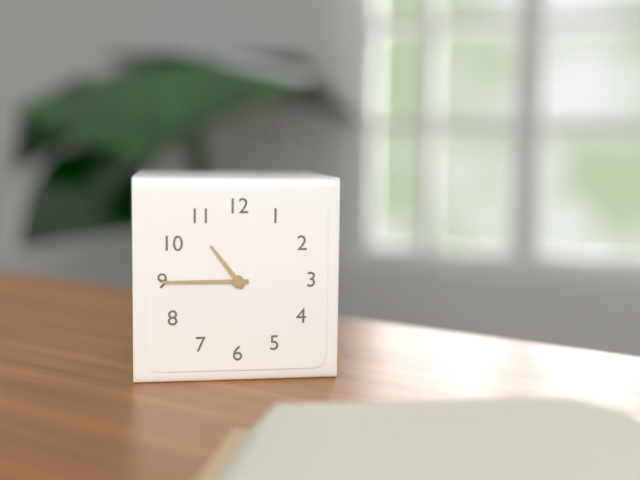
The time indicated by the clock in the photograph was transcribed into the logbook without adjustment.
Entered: 10:45
